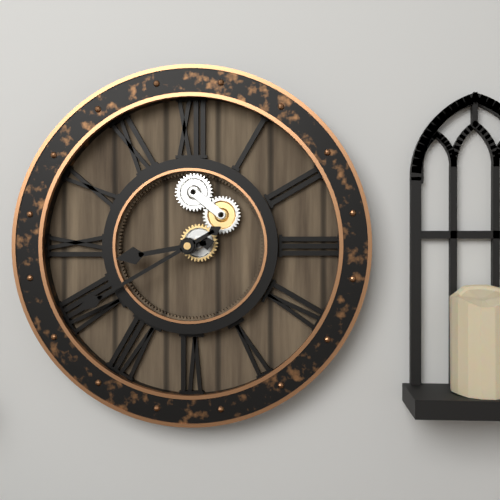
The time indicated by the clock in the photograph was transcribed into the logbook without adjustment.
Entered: 8:40
